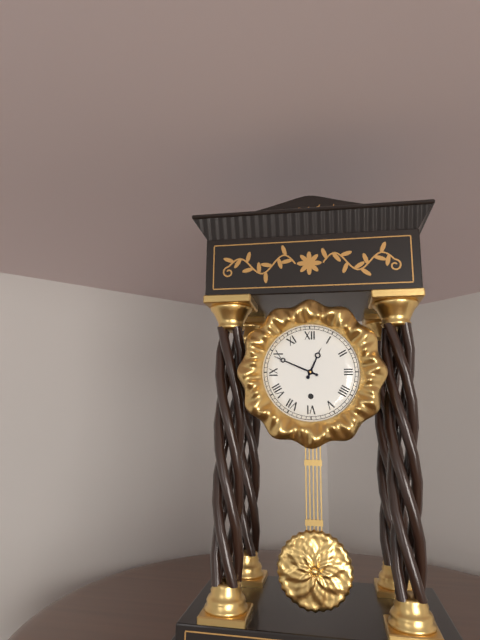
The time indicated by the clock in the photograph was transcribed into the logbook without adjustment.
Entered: 12:49
